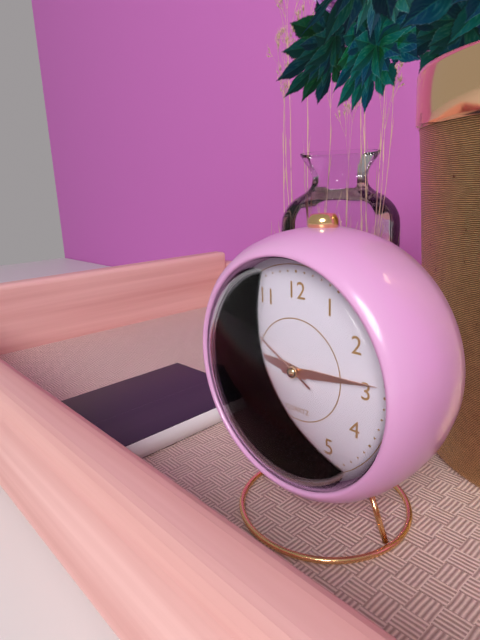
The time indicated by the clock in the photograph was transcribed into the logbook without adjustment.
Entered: 9:14:50
